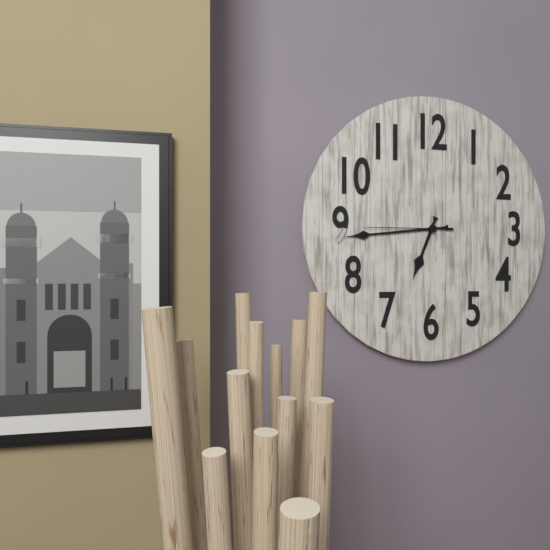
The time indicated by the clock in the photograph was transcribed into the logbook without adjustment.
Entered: 6:44:45
